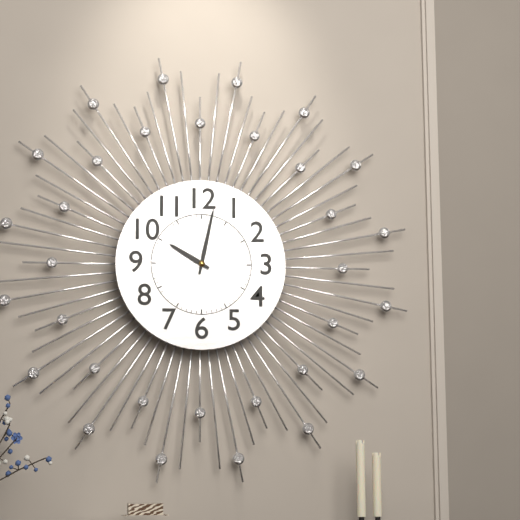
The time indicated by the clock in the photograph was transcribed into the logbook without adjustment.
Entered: 10:02
